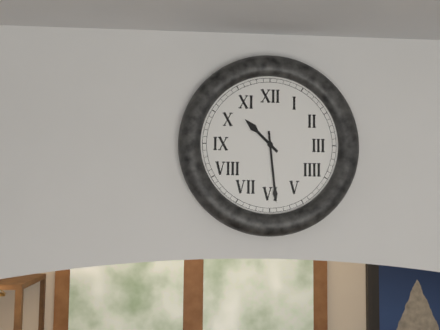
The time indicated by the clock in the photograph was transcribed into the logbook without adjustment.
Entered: 10:29
